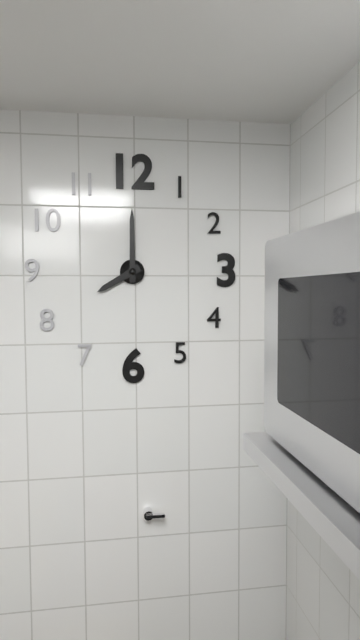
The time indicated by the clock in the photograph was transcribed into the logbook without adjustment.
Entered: 8:00
